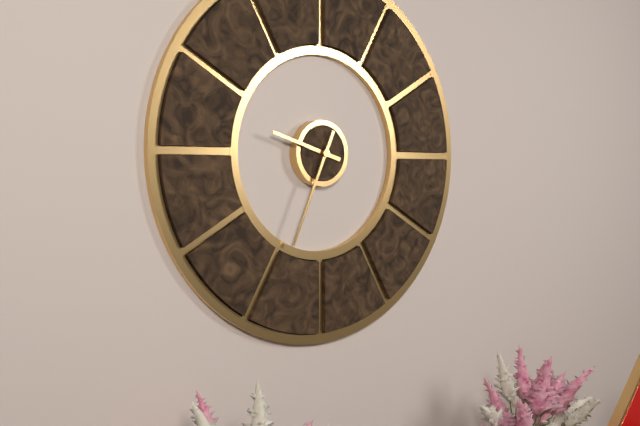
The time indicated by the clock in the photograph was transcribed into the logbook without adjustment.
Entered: 9:34
